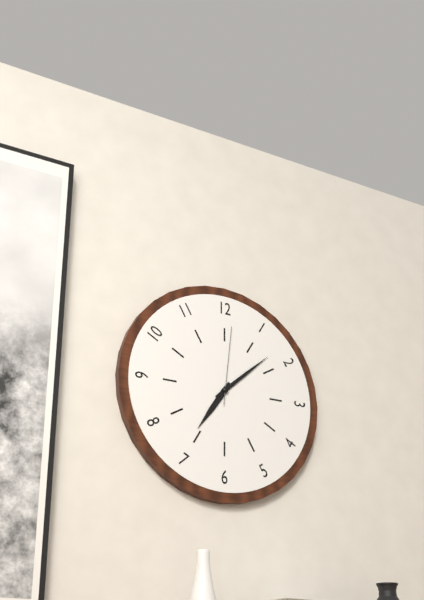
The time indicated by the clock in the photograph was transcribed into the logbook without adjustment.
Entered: 7:08:01
